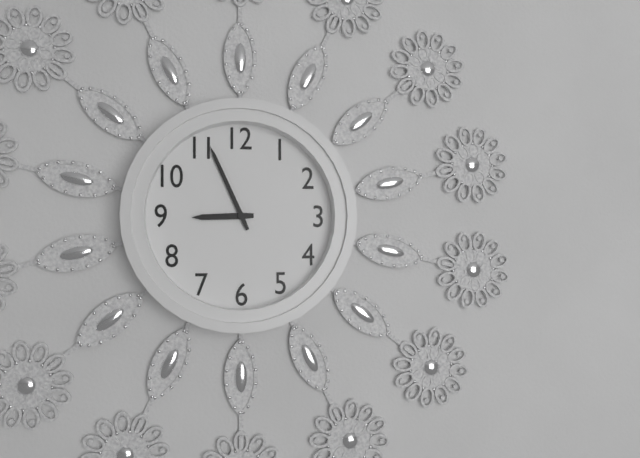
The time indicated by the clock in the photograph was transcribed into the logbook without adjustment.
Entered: 8:56
